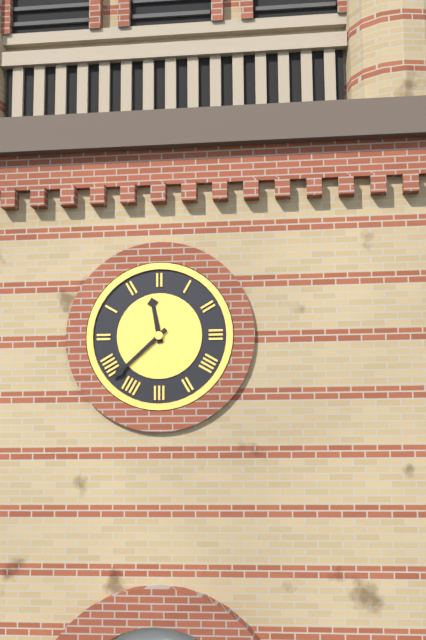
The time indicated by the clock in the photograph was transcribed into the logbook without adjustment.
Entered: 11:38
